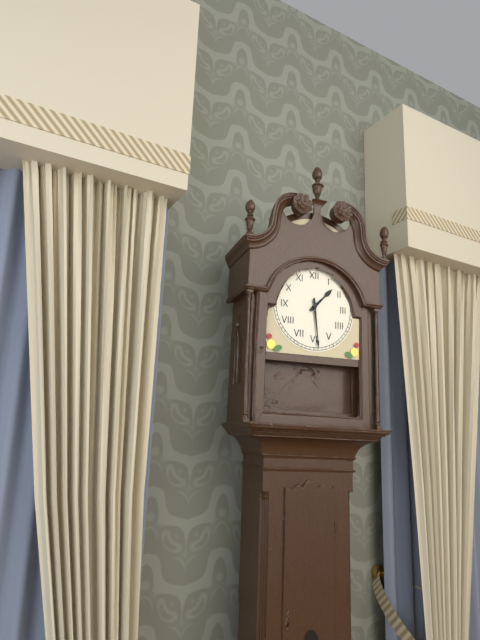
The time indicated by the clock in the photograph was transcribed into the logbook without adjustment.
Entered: 1:29
